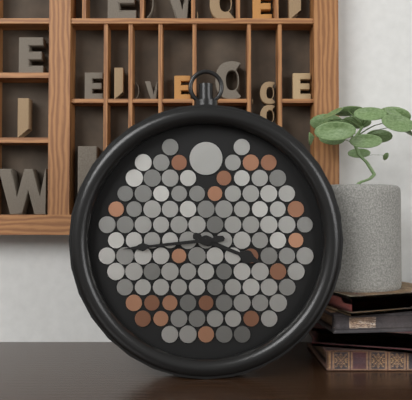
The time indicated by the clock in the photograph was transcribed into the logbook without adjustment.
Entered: 3:44
